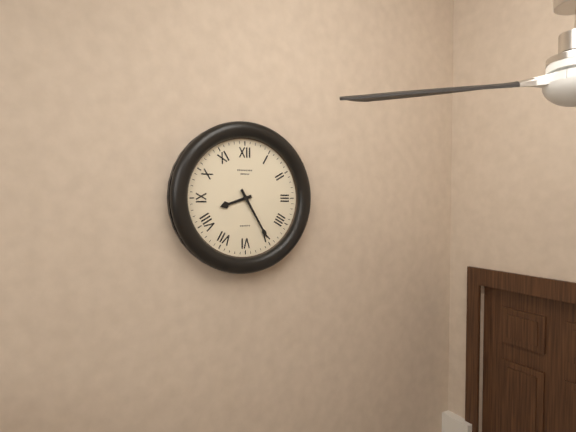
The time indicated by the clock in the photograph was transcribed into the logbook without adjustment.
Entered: 8:25
